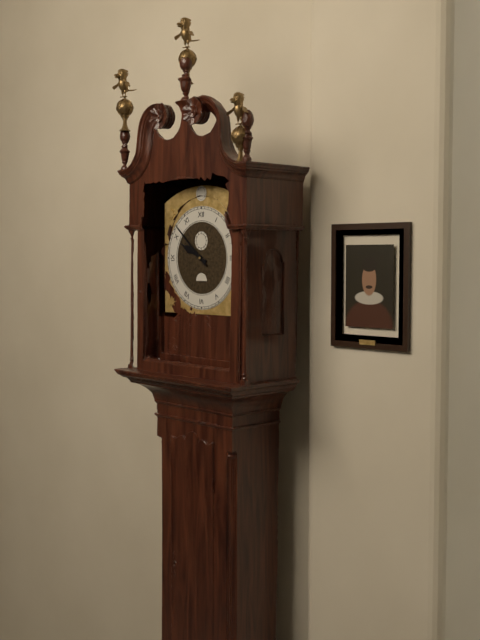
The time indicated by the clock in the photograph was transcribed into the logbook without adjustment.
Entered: 9:52
